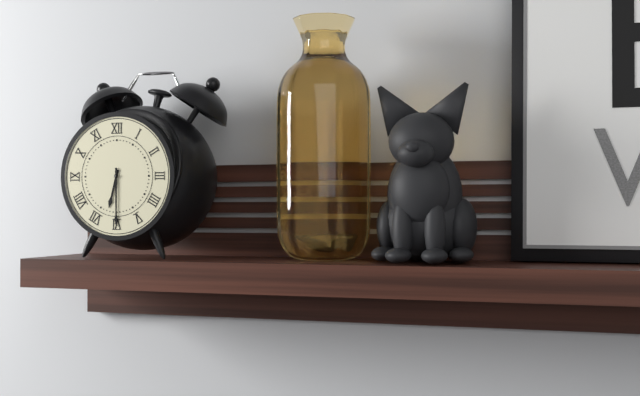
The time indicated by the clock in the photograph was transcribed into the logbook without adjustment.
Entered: 6:30
